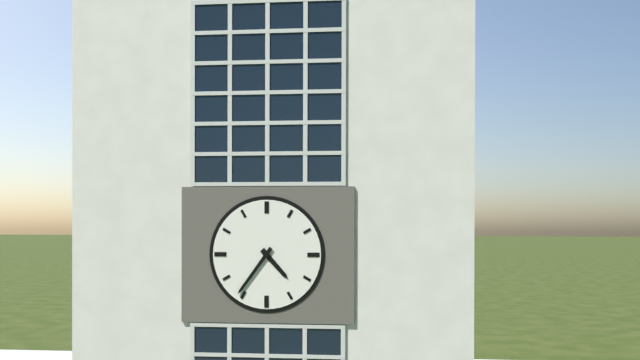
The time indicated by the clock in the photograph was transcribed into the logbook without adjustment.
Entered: 4:36
